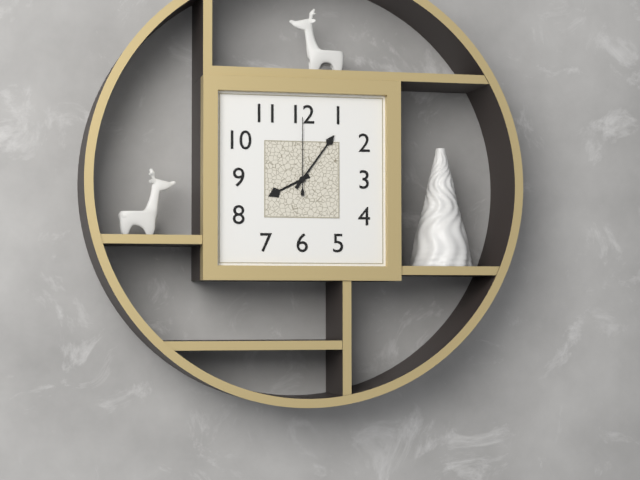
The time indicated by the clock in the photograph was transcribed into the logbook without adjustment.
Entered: 8:06:00
